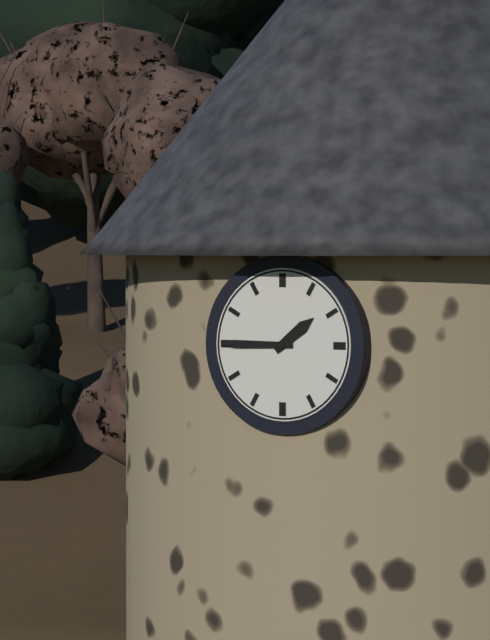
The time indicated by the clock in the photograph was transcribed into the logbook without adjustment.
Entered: 1:45
